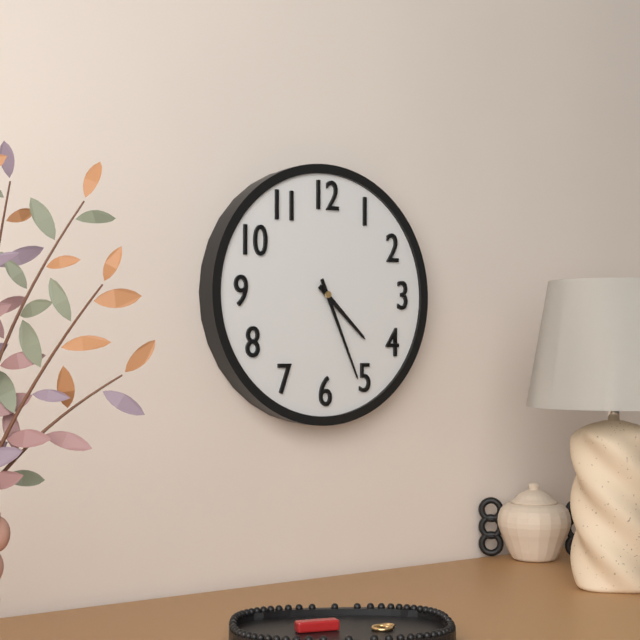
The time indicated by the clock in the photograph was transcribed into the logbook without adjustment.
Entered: 4:26
